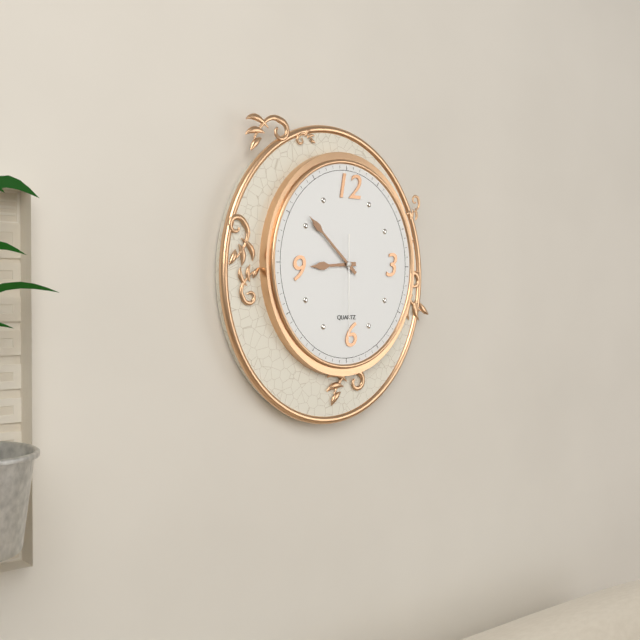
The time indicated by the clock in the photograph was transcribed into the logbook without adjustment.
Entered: 8:52:30
